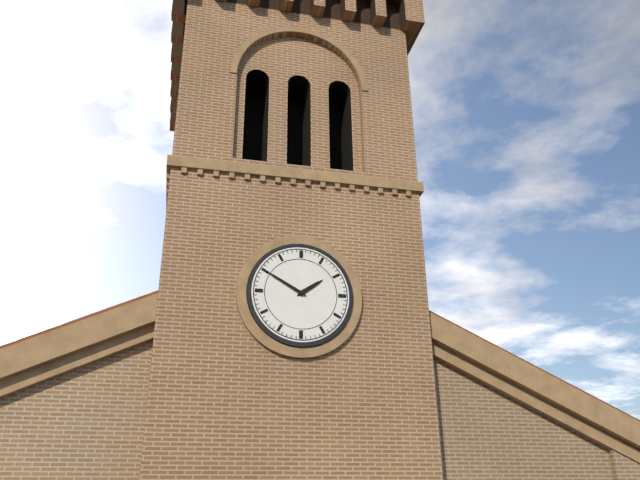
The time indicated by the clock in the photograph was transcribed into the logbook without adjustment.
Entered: 1:50
